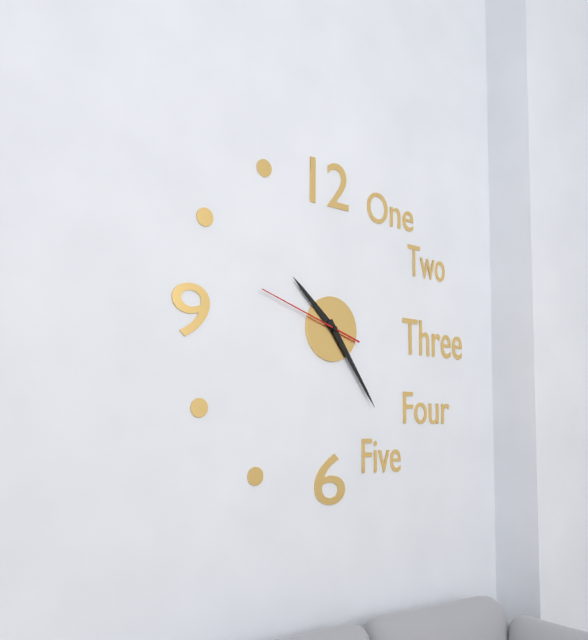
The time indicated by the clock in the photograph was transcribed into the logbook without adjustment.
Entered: 10:24:48
